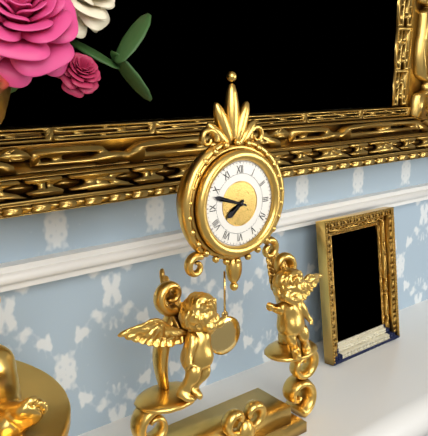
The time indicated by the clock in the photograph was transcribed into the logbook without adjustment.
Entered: 7:48
